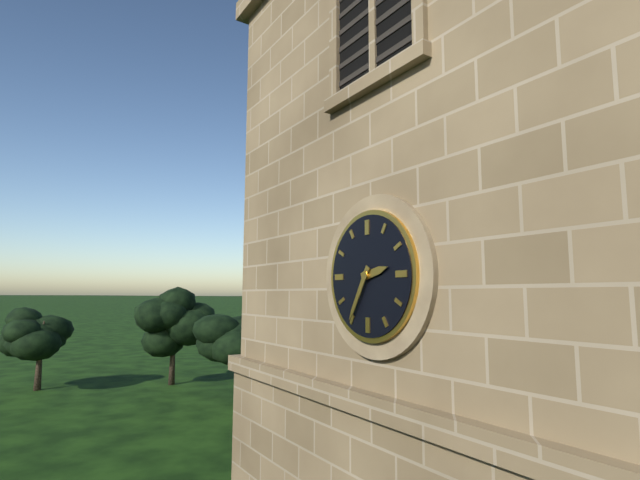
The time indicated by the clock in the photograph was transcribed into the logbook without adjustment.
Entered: 2:35
